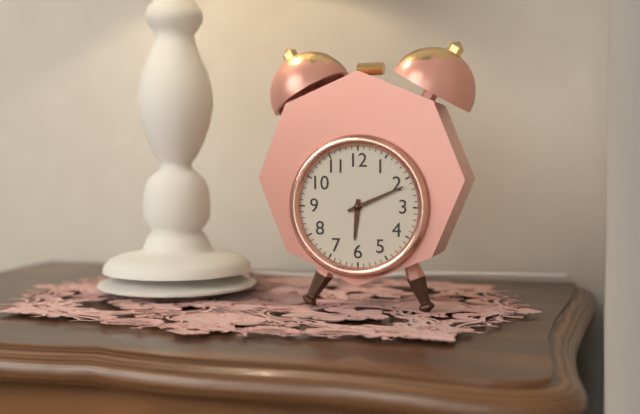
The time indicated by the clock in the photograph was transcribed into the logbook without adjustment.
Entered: 6:11
